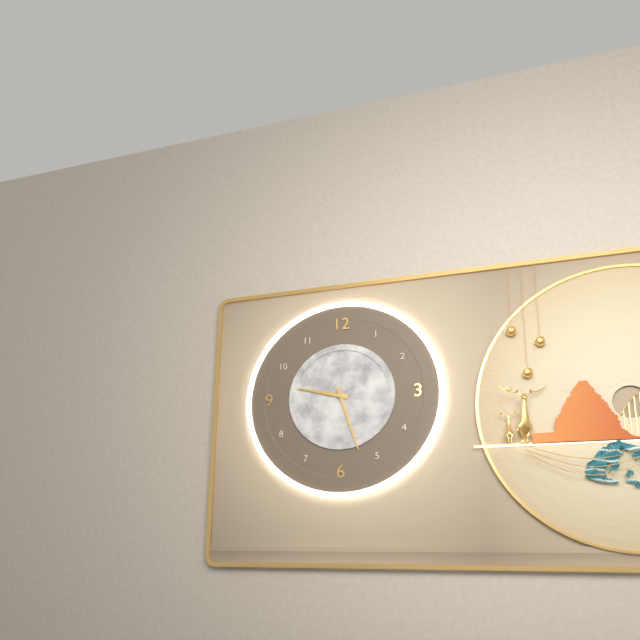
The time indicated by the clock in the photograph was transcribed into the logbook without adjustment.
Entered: 9:27
